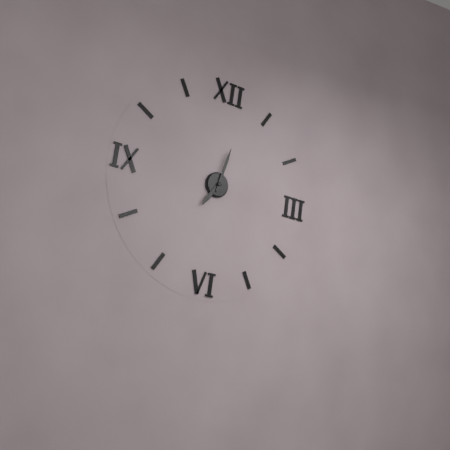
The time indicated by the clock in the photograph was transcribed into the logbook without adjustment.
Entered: 7:02
